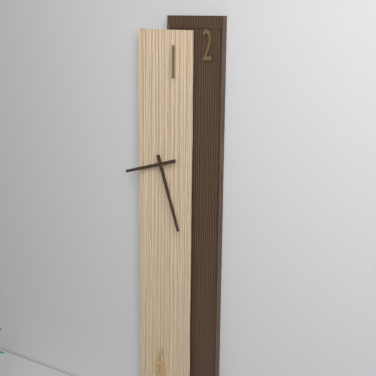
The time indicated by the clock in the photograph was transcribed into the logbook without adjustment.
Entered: 8:27
